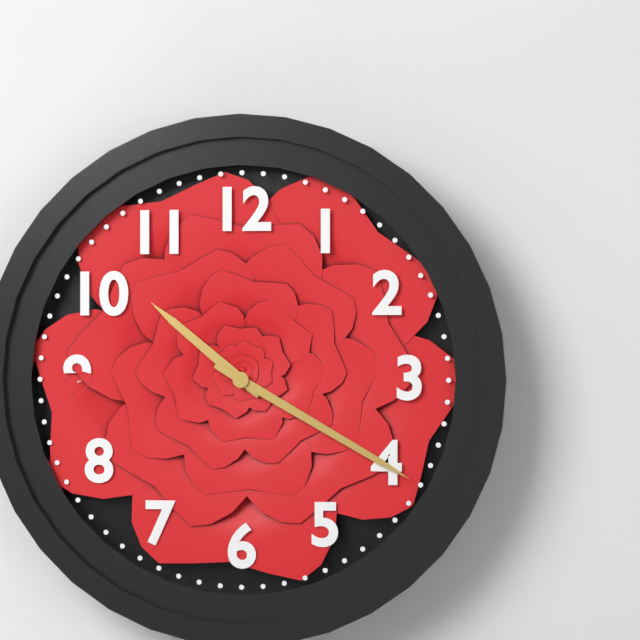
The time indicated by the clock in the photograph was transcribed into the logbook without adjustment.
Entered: 10:20
